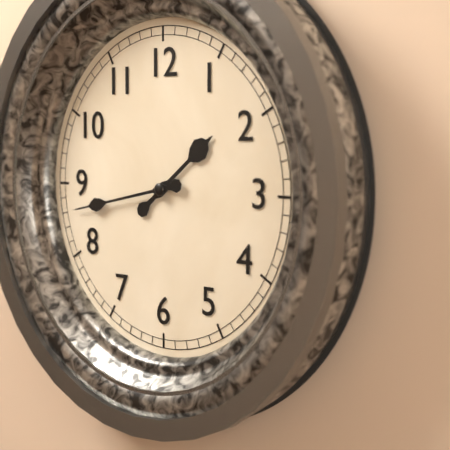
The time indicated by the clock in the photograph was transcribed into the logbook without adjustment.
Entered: 1:43
